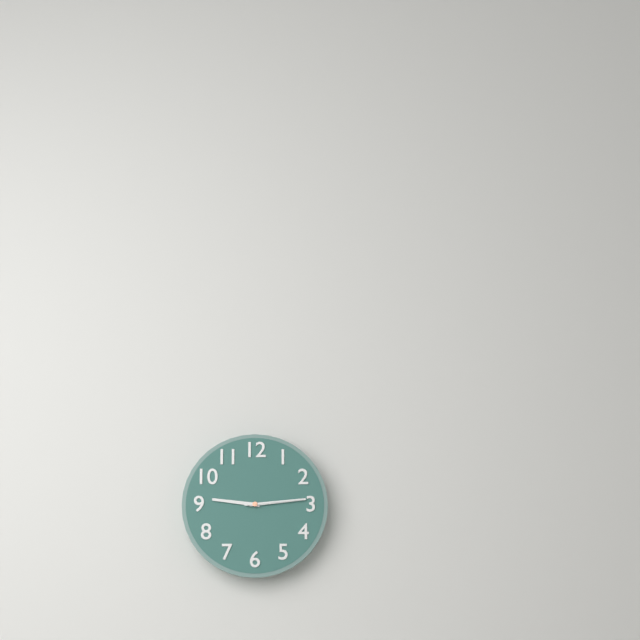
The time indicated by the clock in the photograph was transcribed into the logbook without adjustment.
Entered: 9:14:14
